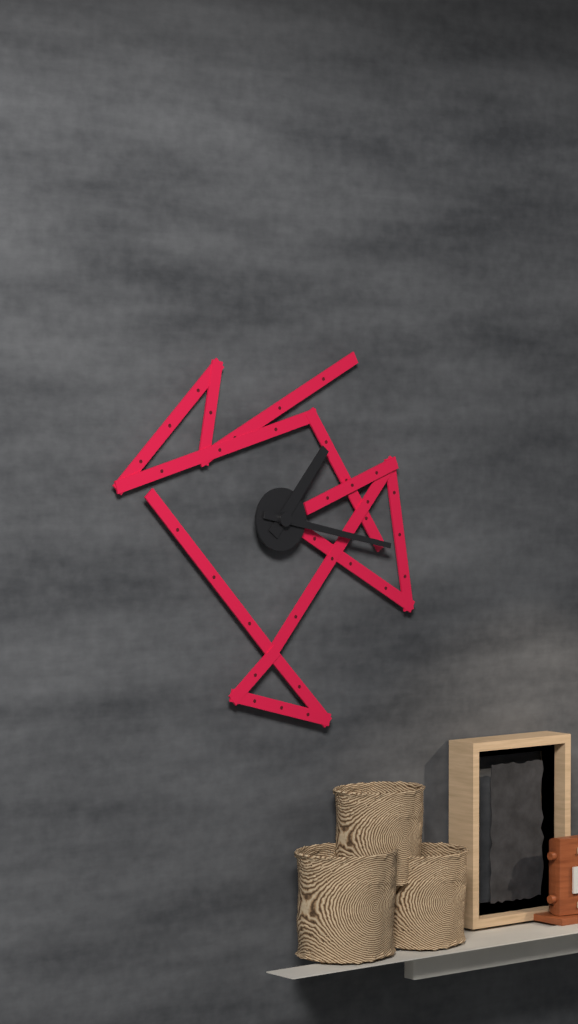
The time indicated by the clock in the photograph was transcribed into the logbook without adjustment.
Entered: 1:17
